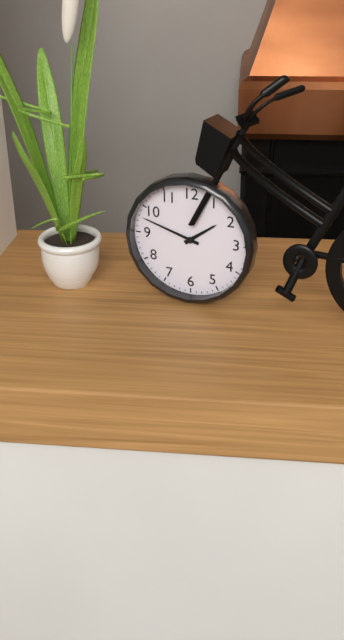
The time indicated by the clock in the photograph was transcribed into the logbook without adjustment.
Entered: 1:48
